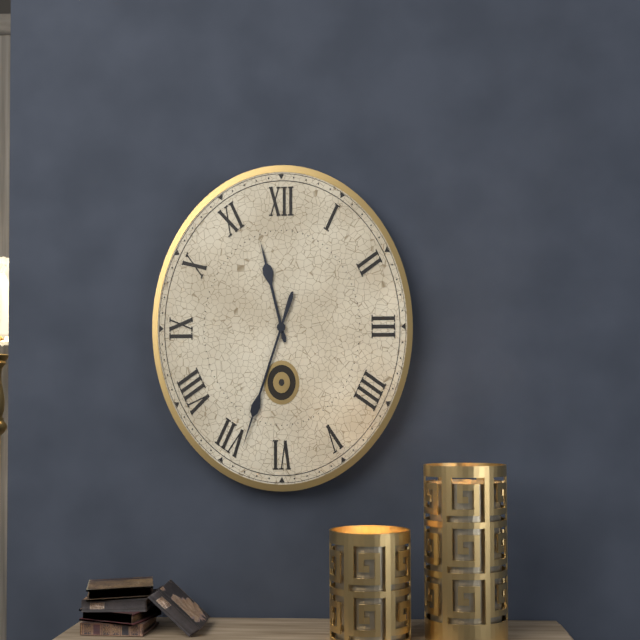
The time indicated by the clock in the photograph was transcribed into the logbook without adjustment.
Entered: 11:33
